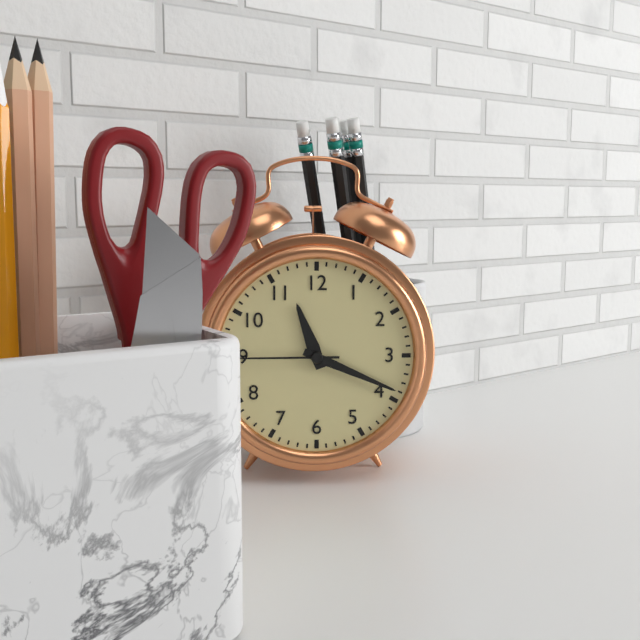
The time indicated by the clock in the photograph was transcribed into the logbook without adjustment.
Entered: 11:19:45
